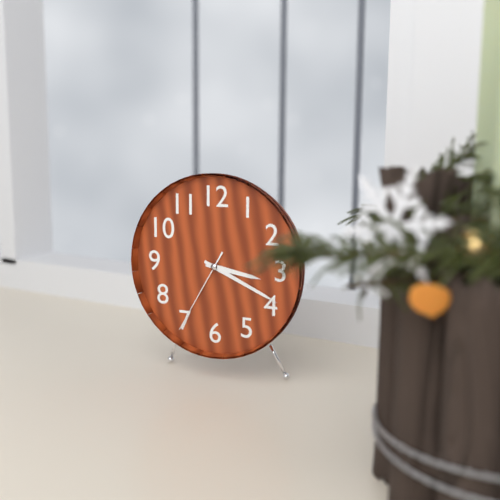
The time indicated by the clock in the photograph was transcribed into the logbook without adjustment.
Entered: 3:19:35
